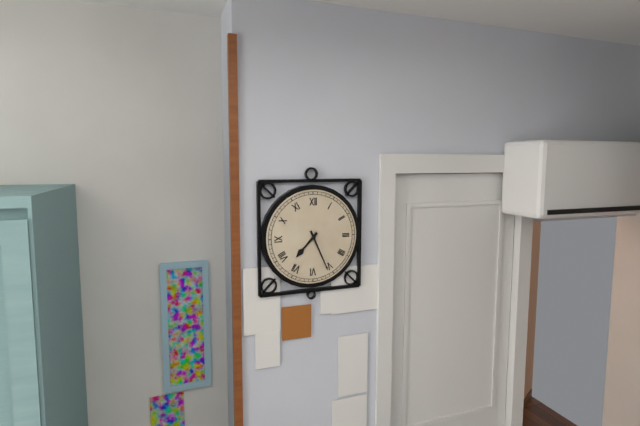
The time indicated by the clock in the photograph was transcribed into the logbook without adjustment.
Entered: 7:26
